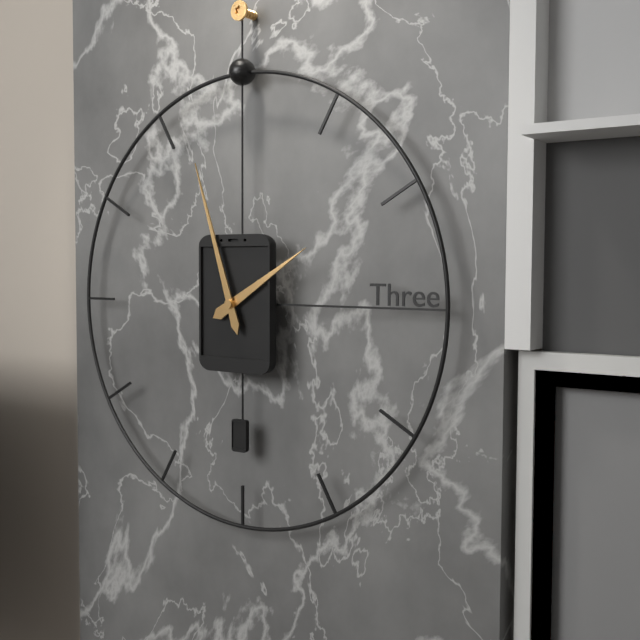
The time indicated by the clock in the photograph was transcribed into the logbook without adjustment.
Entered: 1:57
